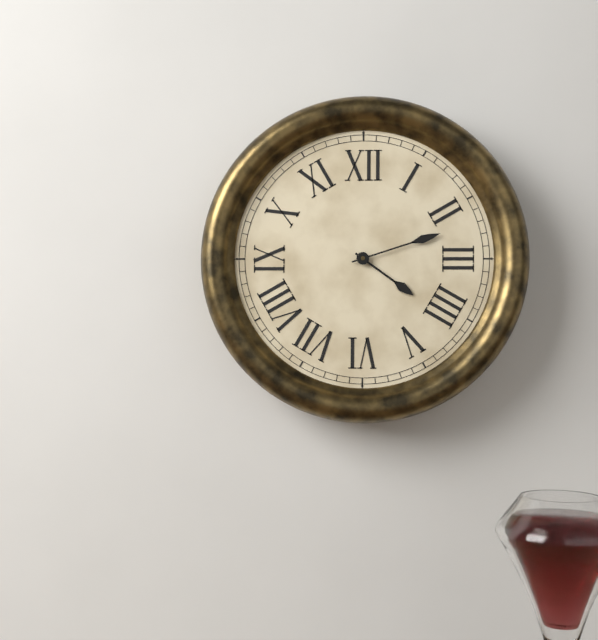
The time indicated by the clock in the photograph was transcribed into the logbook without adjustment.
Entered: 4:12
